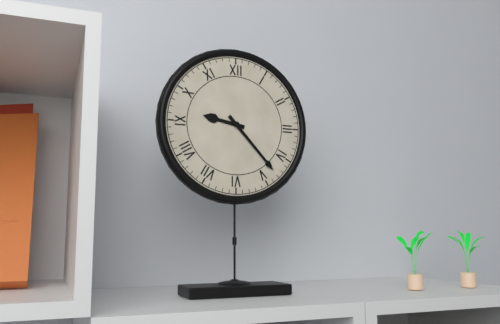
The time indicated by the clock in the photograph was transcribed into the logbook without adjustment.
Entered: 9:23
